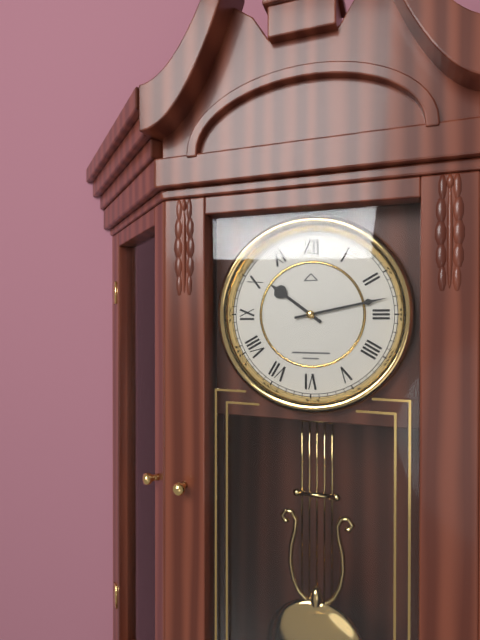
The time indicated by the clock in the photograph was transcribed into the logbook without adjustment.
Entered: 10:13
